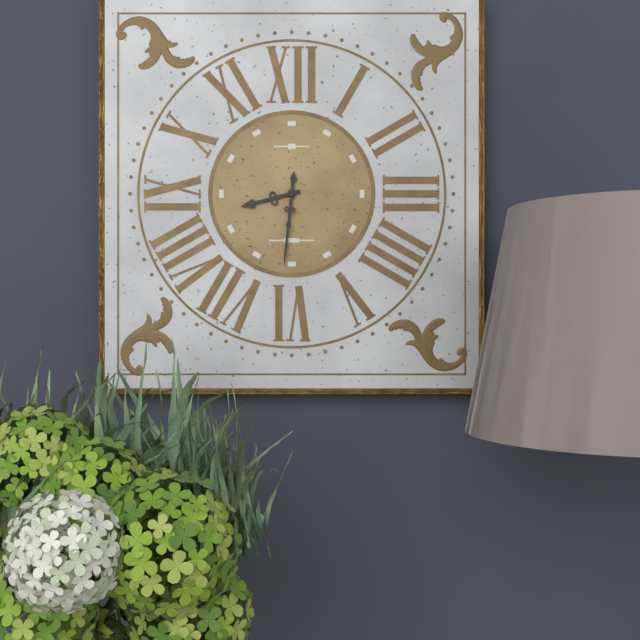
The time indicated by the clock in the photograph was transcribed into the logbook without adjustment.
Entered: 8:31
